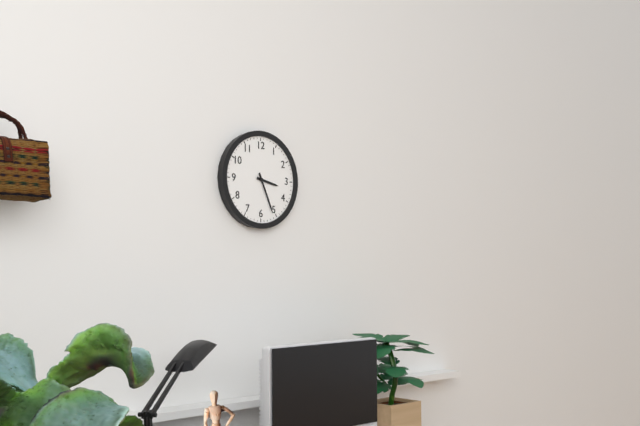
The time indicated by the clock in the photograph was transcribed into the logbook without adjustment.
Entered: 3:26
